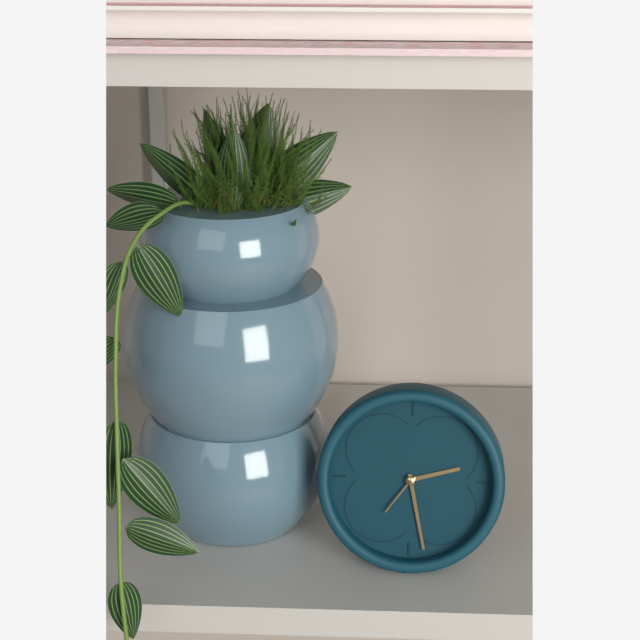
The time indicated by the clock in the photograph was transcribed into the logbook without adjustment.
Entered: 2:28:36
